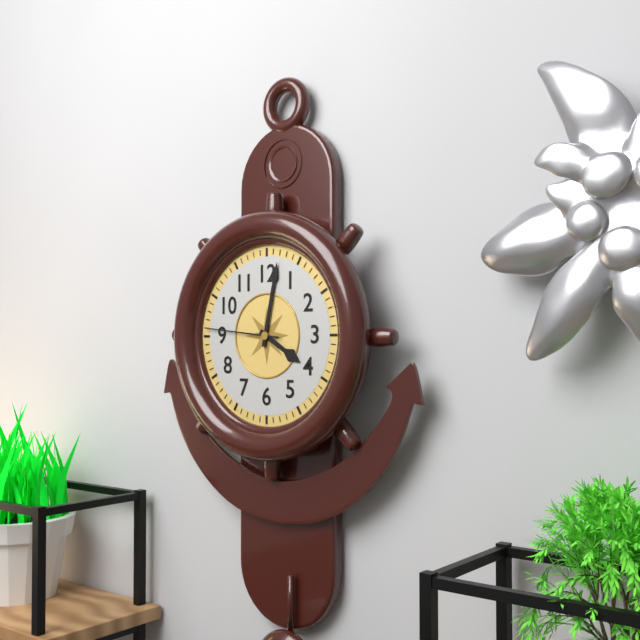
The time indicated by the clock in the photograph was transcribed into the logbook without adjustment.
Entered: 4:02:46
